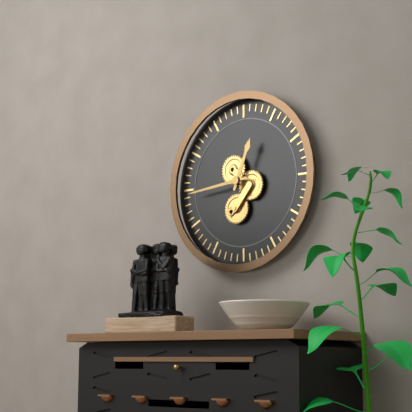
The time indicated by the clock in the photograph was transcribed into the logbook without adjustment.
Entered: 12:44
